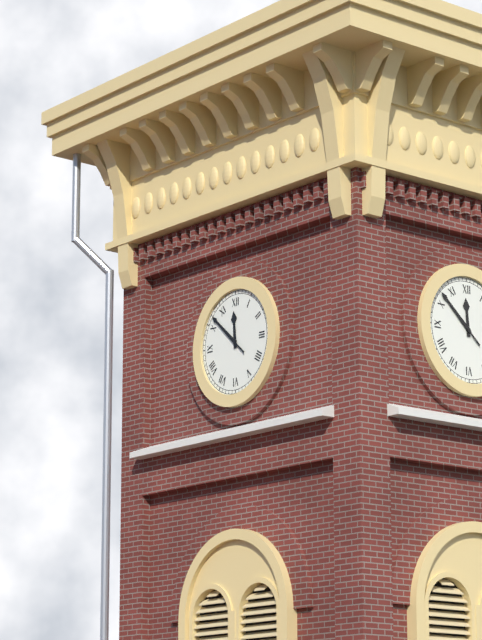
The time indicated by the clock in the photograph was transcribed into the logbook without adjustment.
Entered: 11:52
